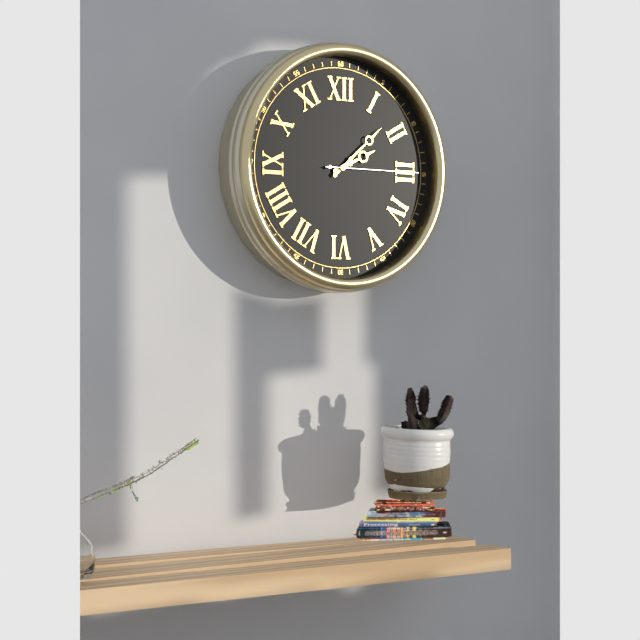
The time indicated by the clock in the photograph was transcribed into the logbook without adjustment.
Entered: 2:08:15
